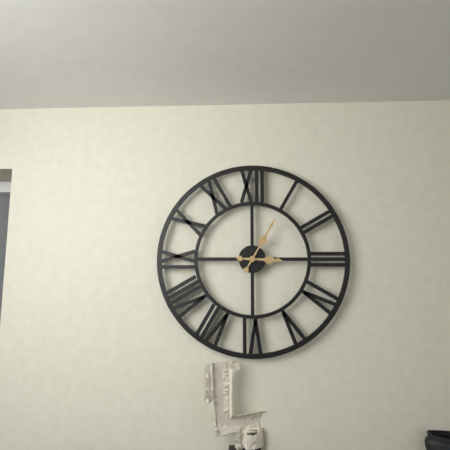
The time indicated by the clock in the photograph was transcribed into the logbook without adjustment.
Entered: 3:05
